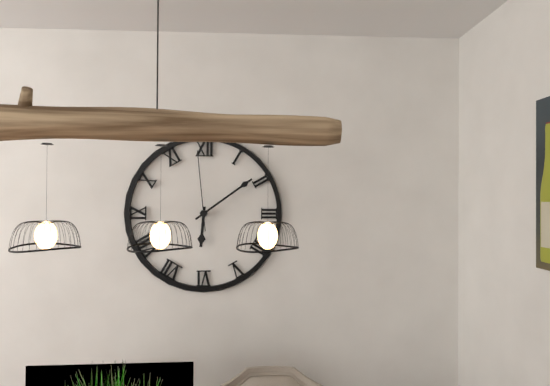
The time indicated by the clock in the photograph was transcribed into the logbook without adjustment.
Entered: 6:09:59
